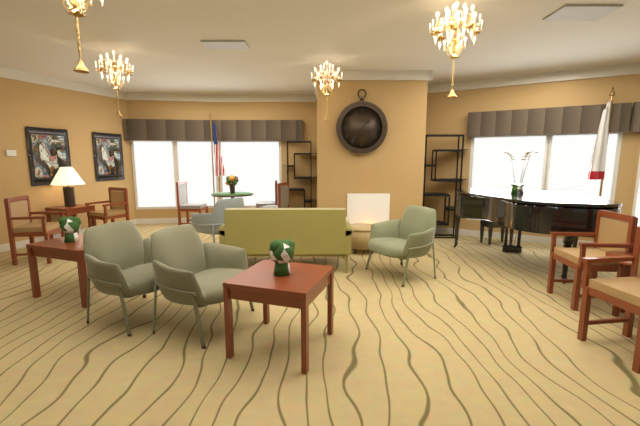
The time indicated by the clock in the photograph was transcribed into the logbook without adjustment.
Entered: 1:36
